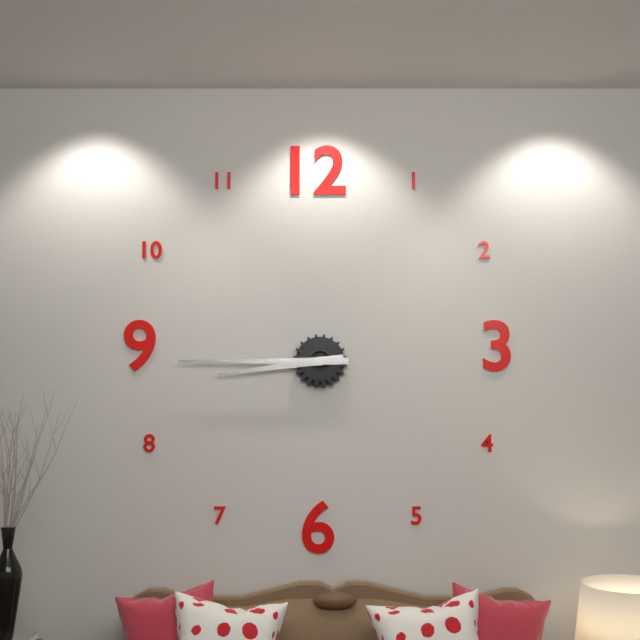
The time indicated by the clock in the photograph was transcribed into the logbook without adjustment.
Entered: 8:45
